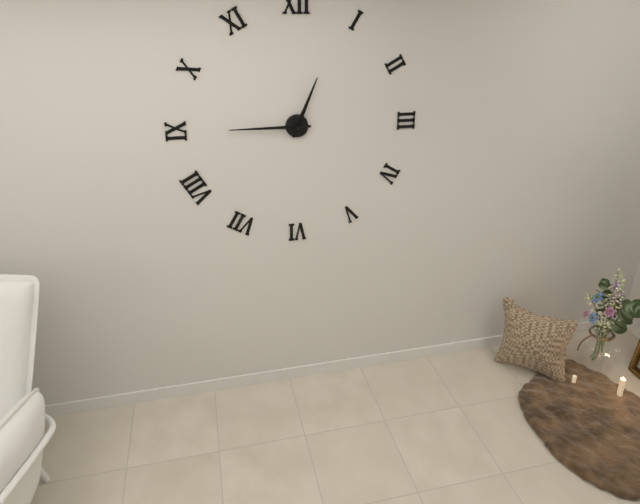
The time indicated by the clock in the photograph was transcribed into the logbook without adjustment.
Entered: 12:45
